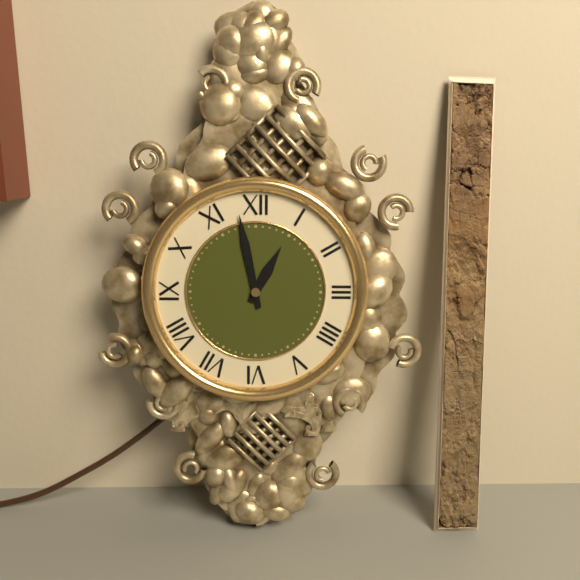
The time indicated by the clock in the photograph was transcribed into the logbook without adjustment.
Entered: 12:58
